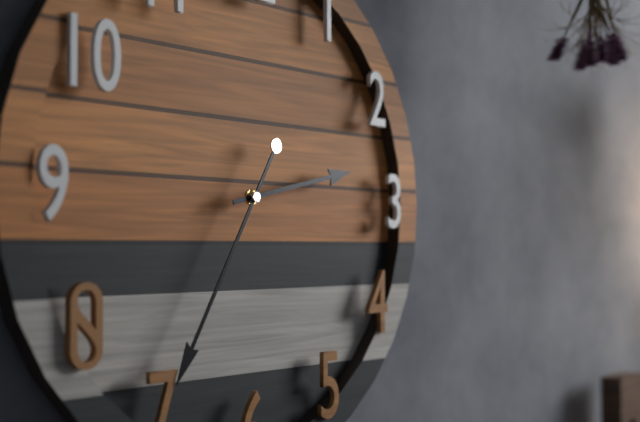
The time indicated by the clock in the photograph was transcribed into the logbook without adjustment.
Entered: 2:35
